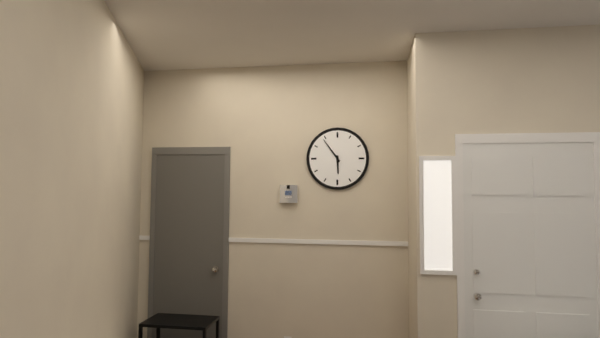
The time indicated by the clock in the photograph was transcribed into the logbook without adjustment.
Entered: 5:54
